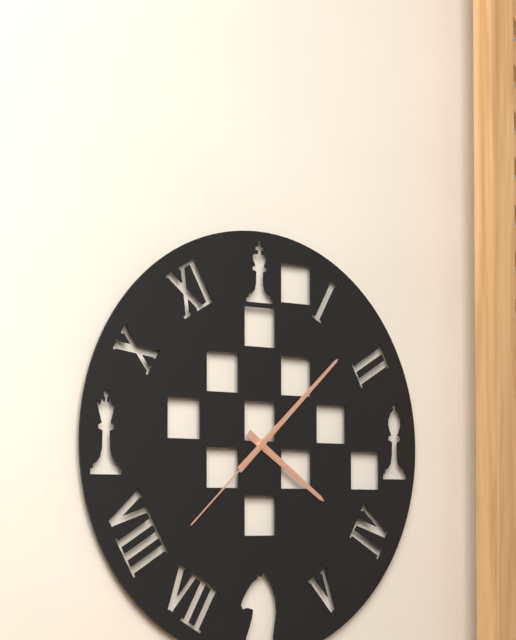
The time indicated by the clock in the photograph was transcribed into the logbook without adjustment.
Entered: 4:08:38
